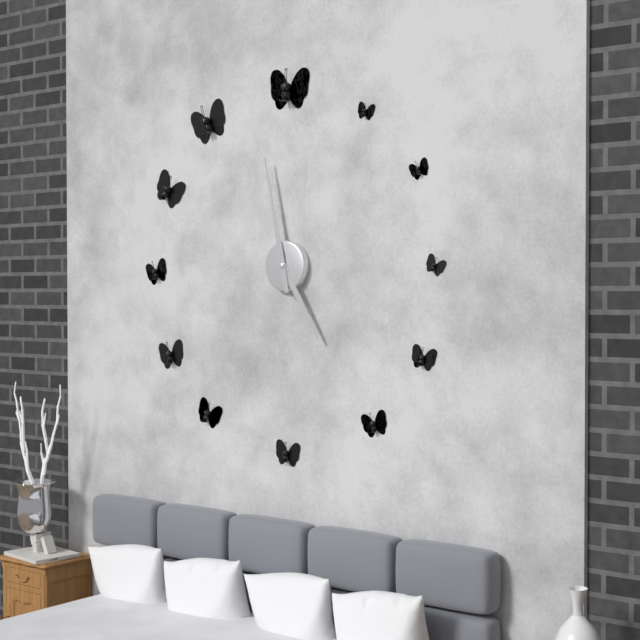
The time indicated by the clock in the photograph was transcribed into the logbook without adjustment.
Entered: 4:58
